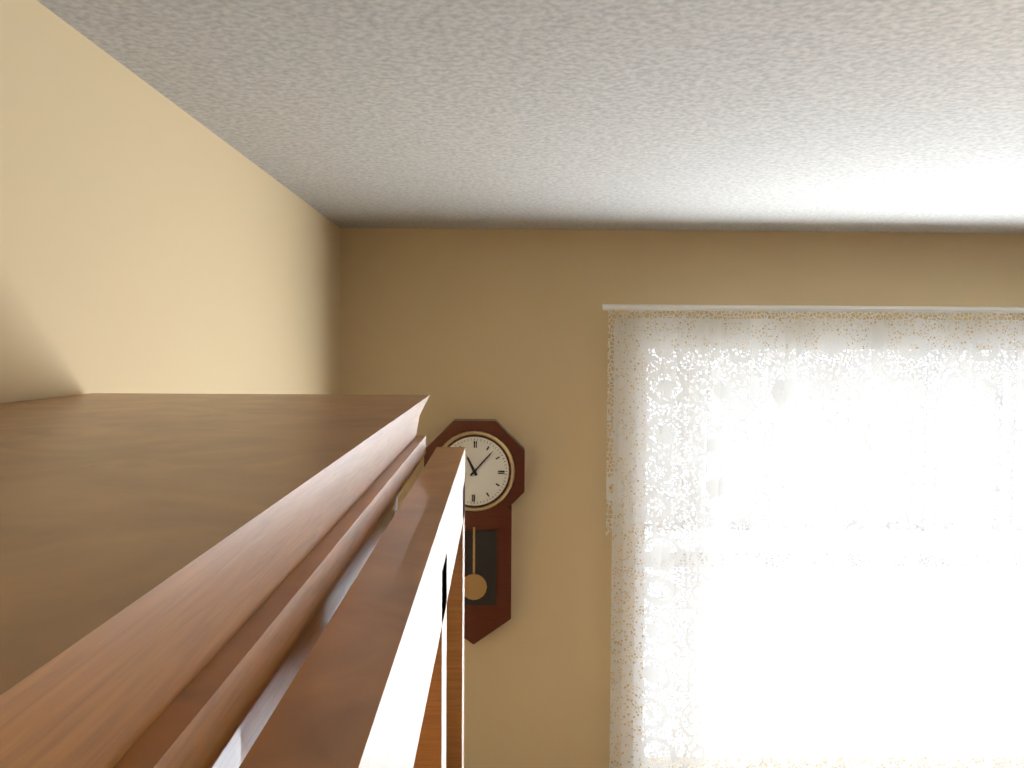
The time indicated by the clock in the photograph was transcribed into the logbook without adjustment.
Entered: 11:07
